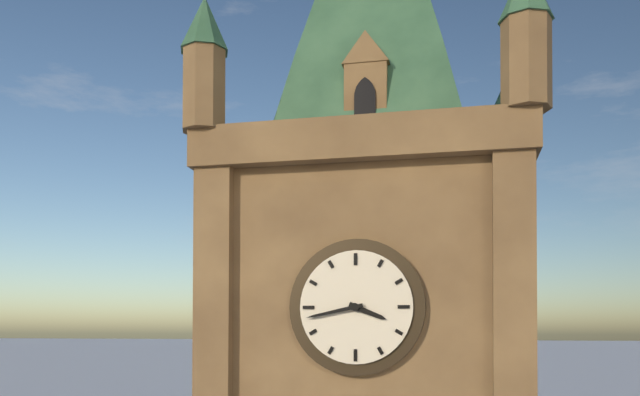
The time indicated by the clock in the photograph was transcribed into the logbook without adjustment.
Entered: 3:43
